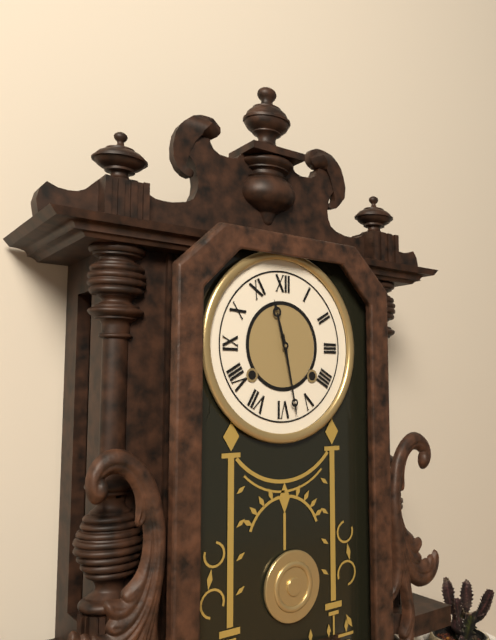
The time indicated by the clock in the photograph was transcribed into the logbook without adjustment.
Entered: 11:28
